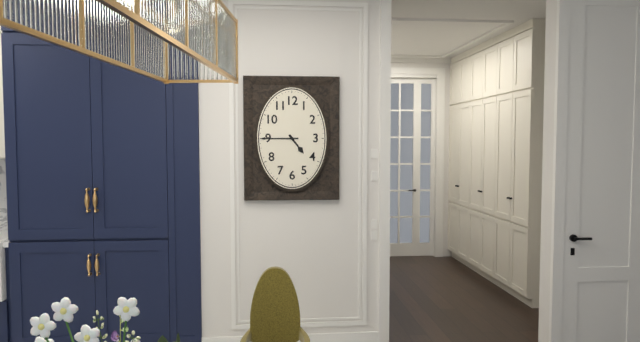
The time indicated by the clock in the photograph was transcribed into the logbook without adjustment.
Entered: 4:45
